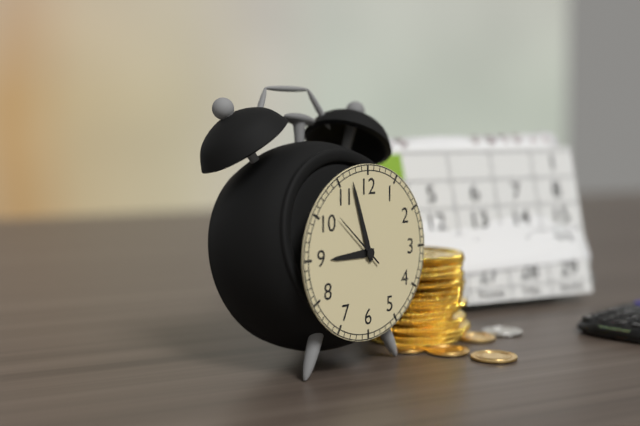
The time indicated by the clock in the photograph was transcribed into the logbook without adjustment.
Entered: 8:57:52
